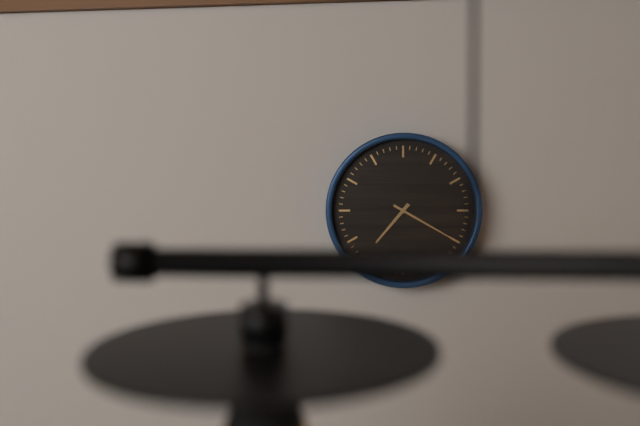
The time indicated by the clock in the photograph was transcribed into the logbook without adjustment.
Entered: 7:20
